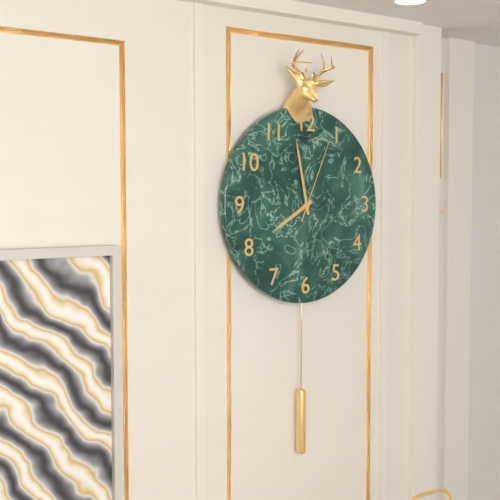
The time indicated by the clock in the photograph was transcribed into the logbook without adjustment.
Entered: 7:58:04
